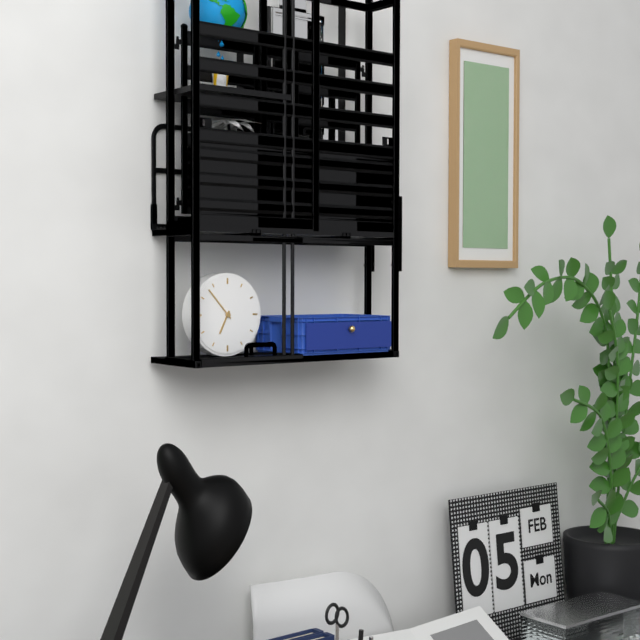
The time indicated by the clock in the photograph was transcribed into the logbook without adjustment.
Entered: 6:53
